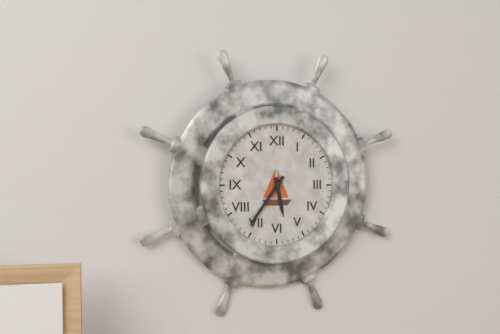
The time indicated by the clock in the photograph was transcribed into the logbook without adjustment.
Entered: 5:36
